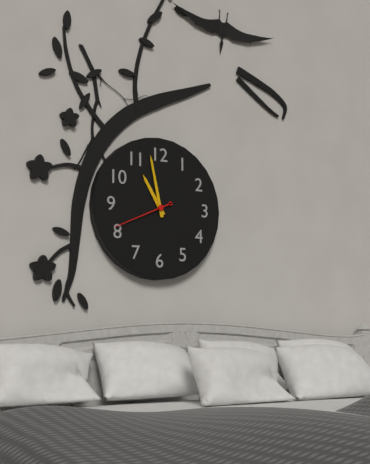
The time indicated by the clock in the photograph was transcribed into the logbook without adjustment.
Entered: 10:58:41
